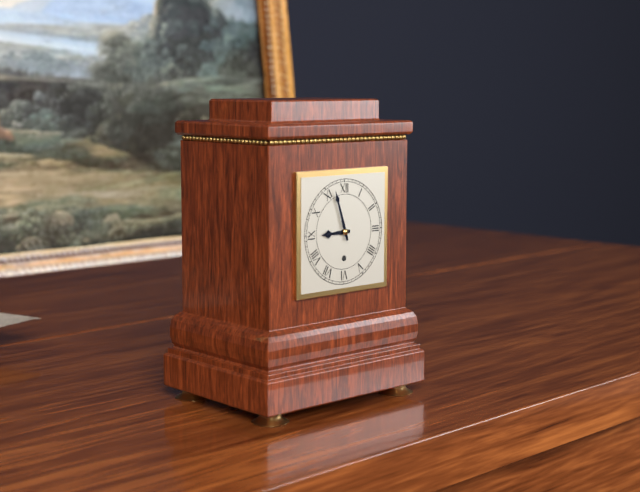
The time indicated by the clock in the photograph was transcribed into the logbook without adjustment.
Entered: 8:57
